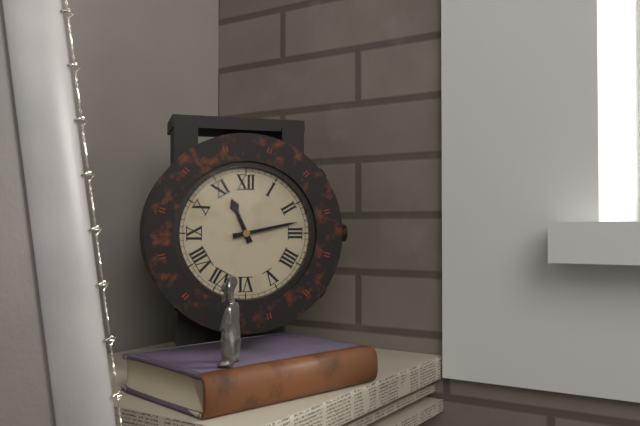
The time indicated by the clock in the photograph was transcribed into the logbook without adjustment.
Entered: 11:13
